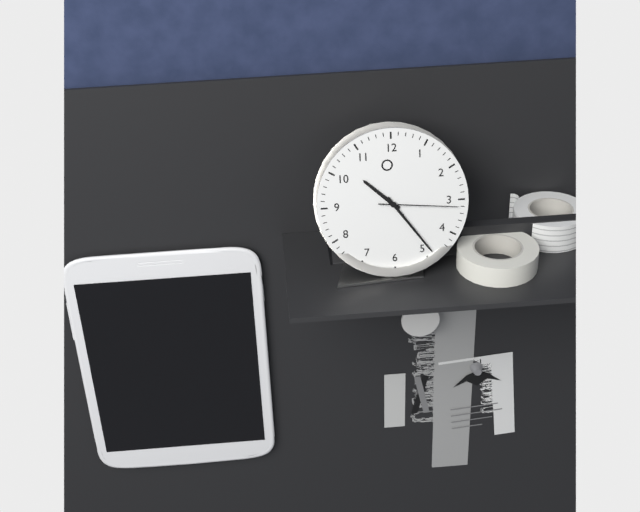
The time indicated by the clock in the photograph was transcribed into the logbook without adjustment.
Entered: 10:24:16
